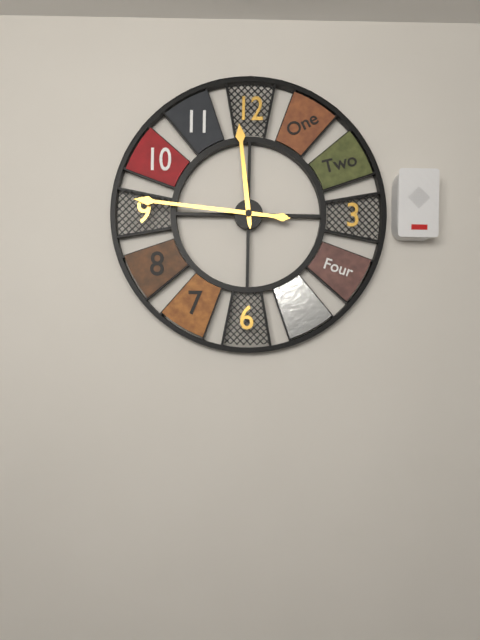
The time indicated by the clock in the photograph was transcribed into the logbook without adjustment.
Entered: 11:46
